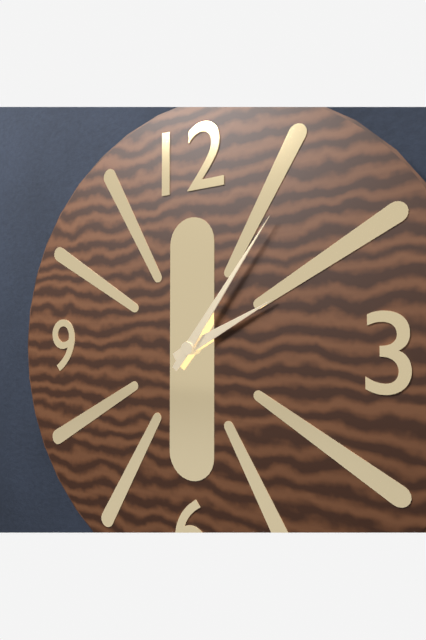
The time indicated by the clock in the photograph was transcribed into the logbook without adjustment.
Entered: 2:06
